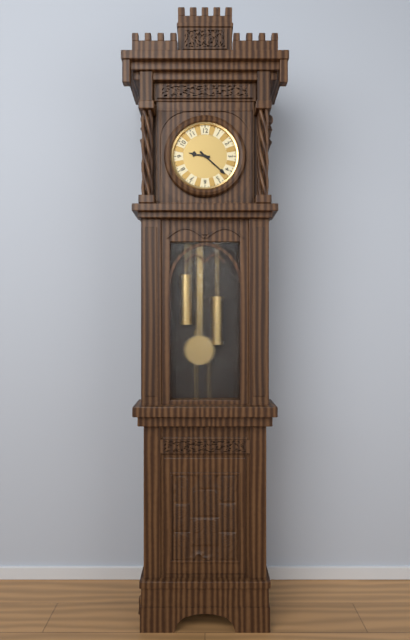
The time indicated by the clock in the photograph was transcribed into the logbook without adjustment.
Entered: 9:22
